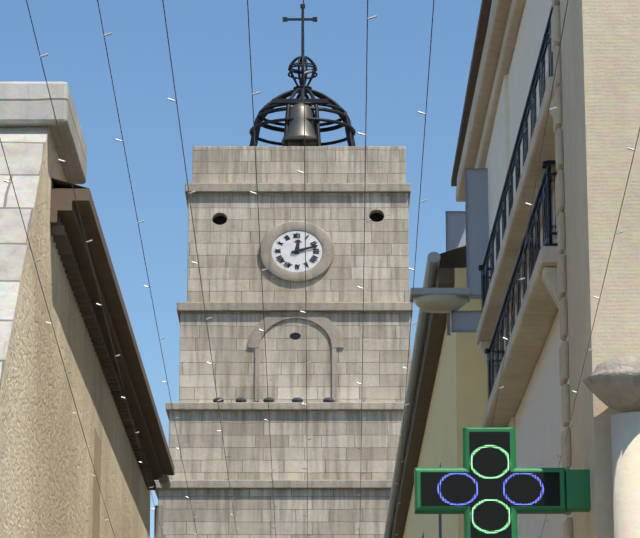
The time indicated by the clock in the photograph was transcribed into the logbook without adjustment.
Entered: 12:12
